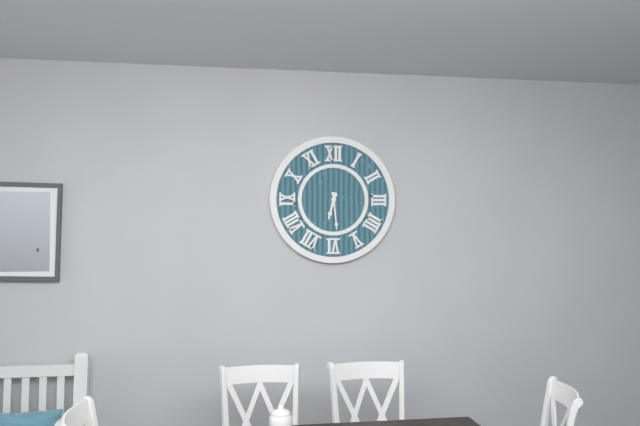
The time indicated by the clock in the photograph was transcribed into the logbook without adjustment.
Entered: 6:29
